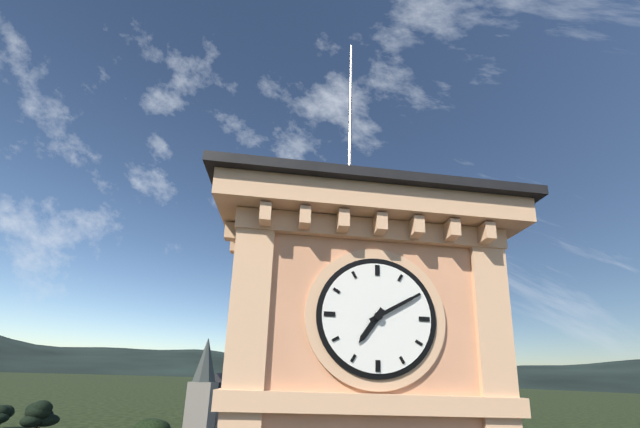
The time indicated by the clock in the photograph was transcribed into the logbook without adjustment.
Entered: 7:10
